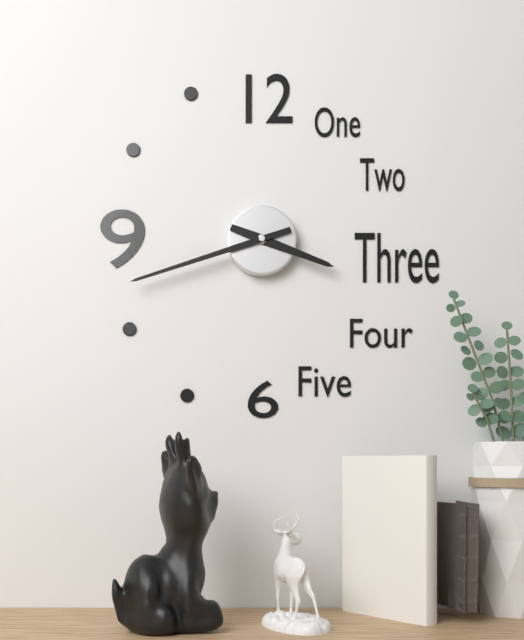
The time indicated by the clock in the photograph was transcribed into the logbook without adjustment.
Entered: 3:42
